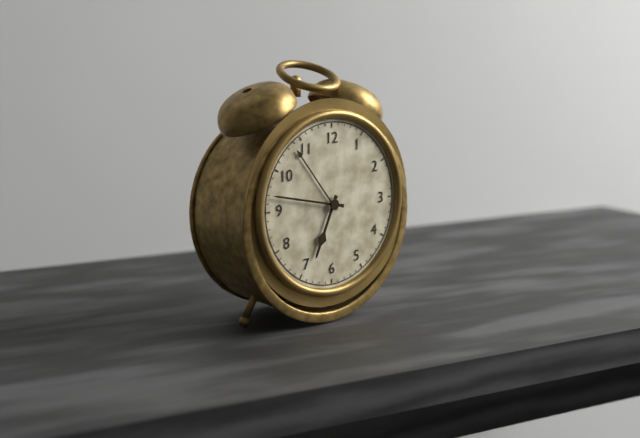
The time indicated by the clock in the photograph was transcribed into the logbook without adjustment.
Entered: 6:47
